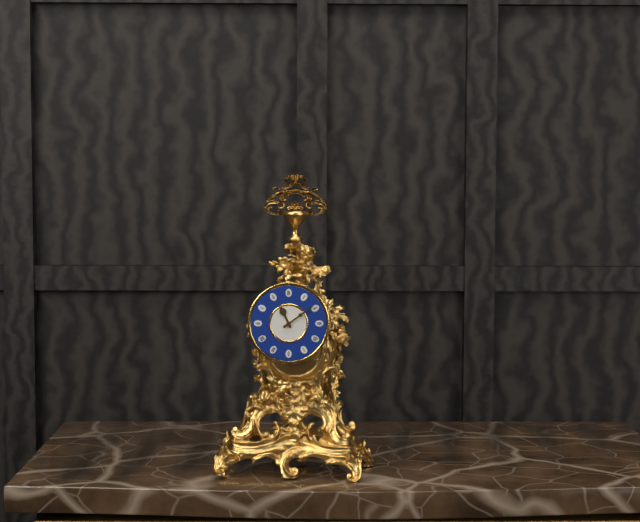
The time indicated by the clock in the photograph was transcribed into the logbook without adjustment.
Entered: 11:09
